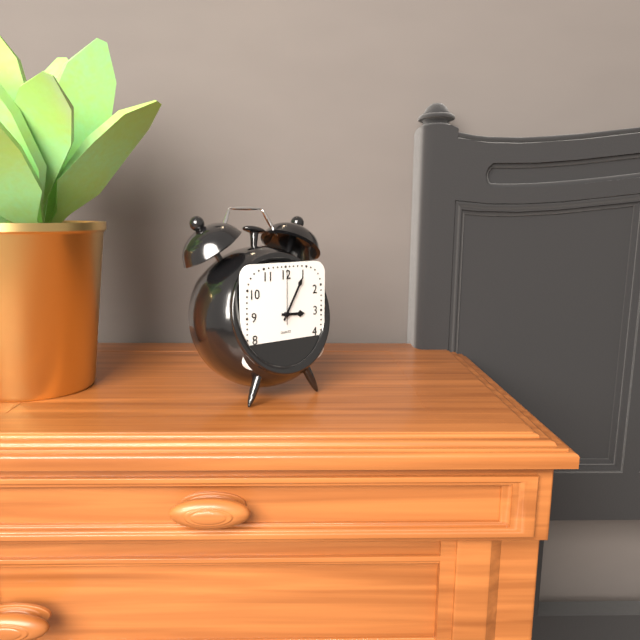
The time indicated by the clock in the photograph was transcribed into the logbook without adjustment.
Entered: 3:05:00
